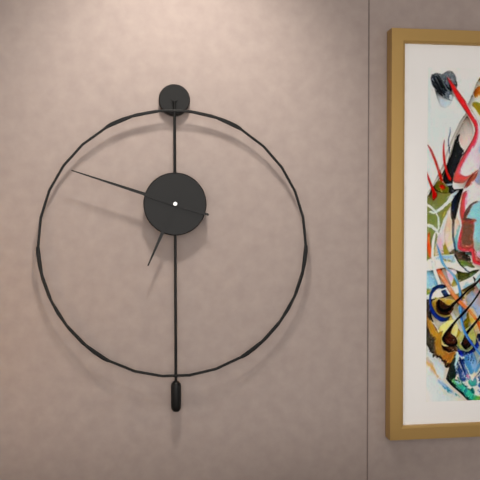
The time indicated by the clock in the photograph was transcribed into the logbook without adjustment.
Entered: 6:48
